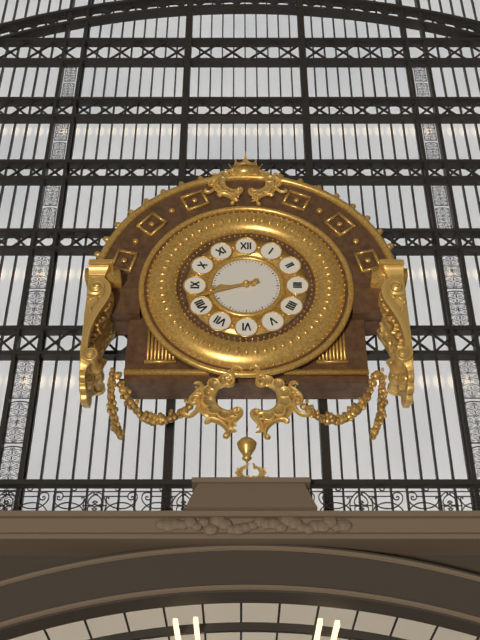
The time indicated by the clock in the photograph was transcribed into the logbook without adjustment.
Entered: 8:42
